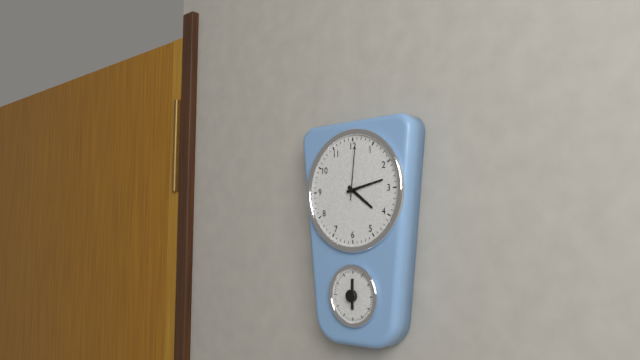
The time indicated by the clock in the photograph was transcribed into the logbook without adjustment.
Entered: 4:13:01
